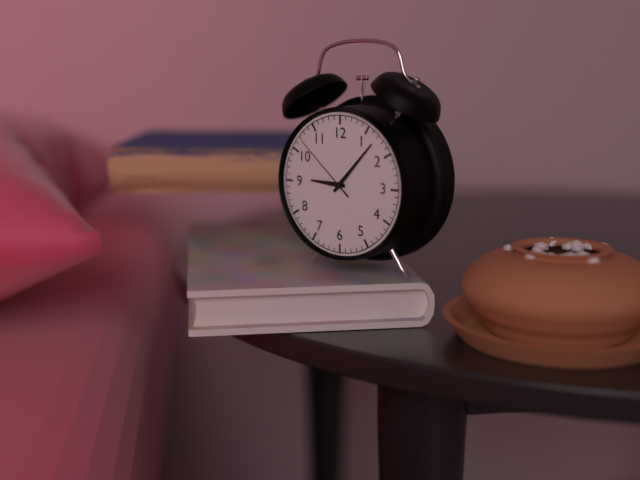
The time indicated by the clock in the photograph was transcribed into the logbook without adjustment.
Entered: 9:07:52
